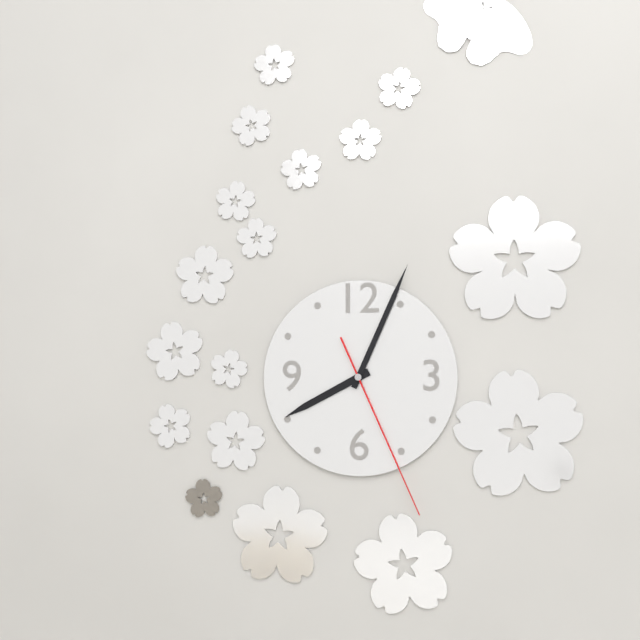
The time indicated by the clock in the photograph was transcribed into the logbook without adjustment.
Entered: 8:04:26
